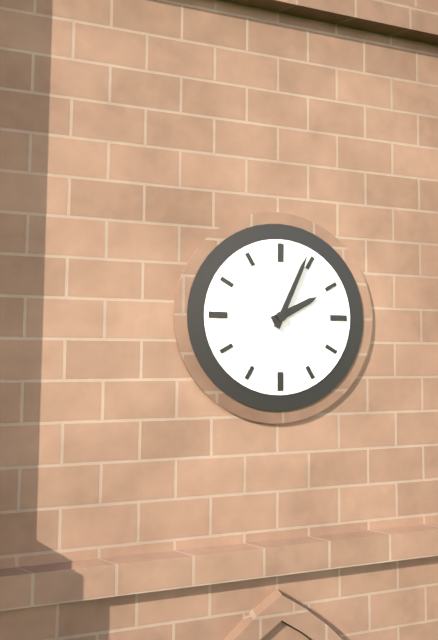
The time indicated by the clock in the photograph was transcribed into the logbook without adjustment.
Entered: 2:04
